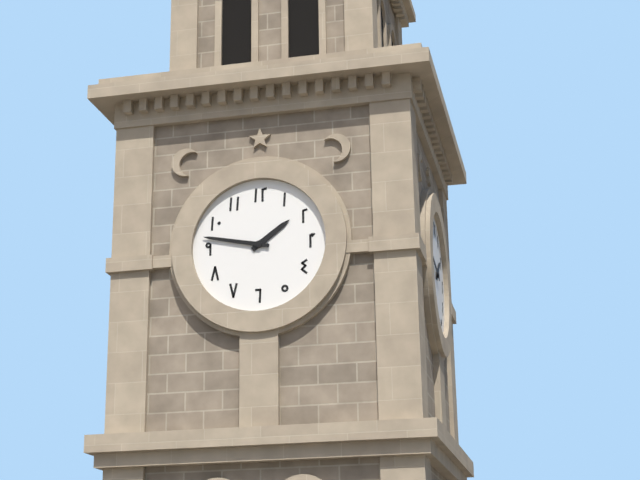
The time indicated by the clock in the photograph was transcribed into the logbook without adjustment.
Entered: 1:47
